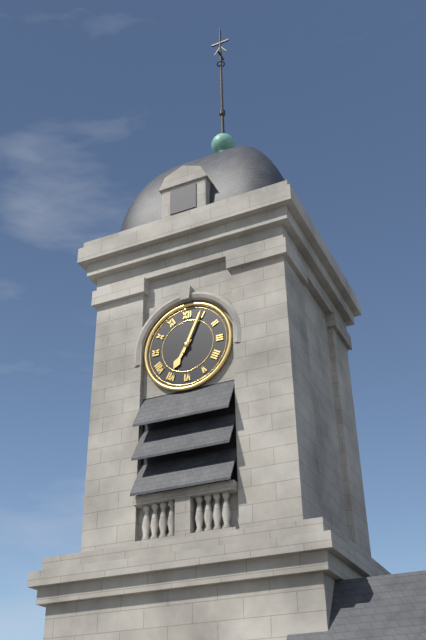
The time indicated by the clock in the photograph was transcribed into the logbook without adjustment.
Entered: 7:04
